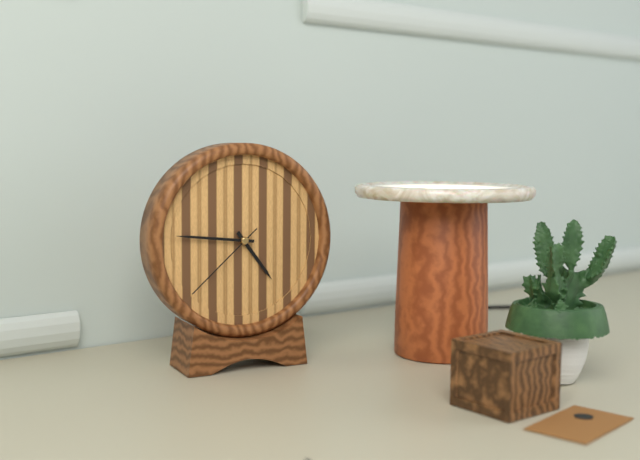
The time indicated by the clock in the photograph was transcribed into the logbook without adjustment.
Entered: 4:46:38
